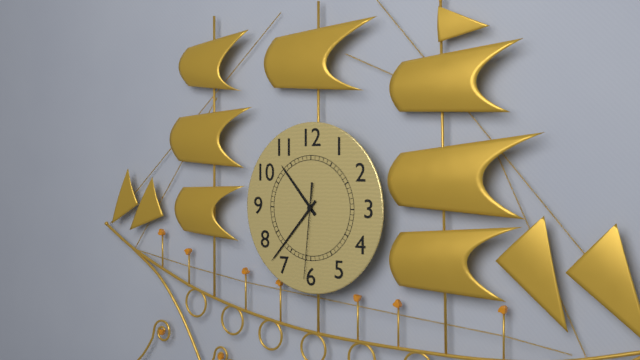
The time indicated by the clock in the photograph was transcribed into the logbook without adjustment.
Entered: 10:37:31
